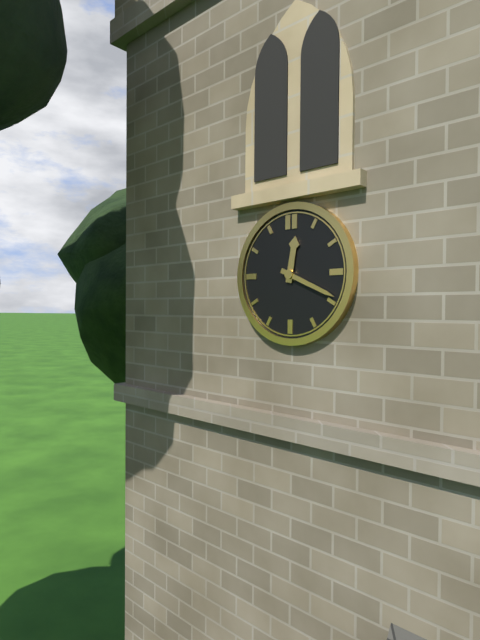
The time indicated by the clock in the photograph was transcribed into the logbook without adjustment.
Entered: 12:19
